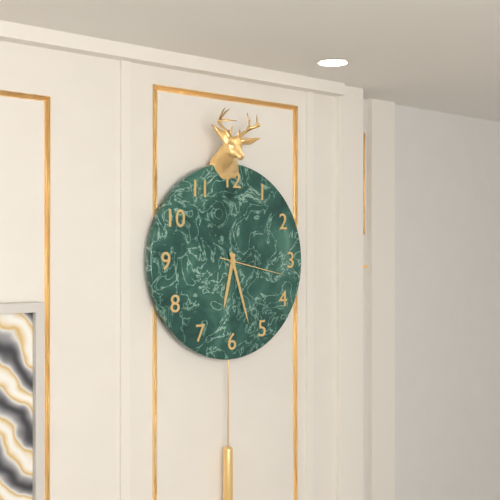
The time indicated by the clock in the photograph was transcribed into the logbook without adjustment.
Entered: 6:27:17
